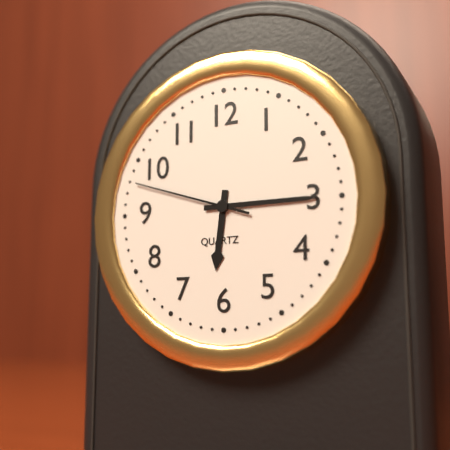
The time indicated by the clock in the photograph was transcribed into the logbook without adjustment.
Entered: 6:15:48
